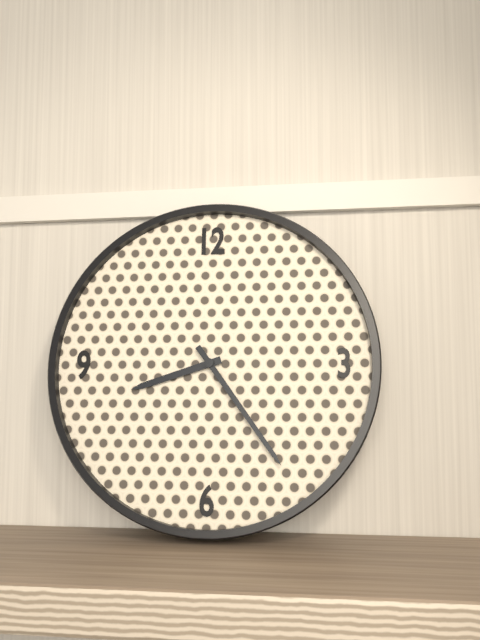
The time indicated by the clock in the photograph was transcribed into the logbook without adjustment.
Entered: 8:24
